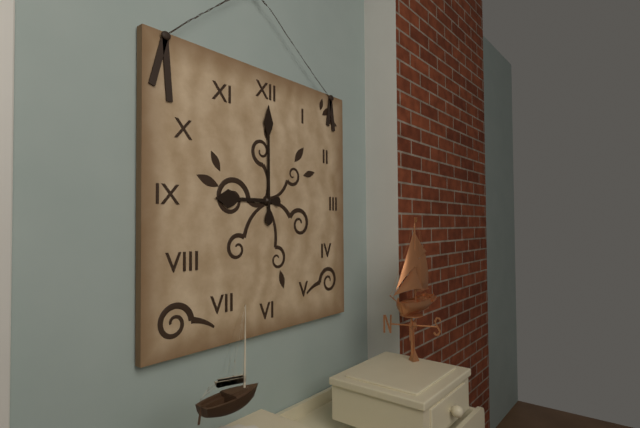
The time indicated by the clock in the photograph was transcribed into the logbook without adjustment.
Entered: 9:00
